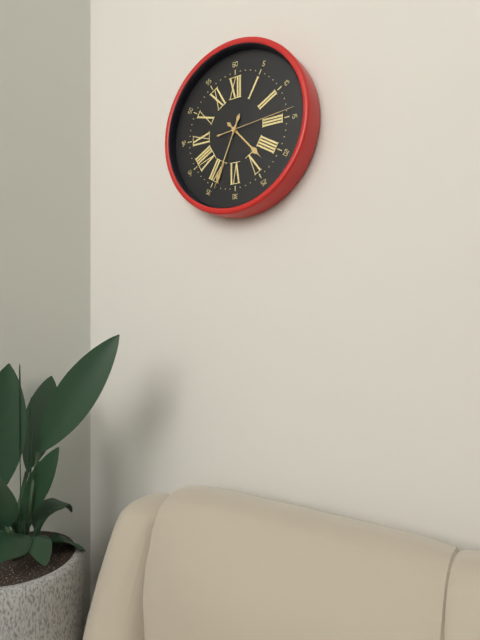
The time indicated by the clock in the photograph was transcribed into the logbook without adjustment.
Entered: 4:34:14
